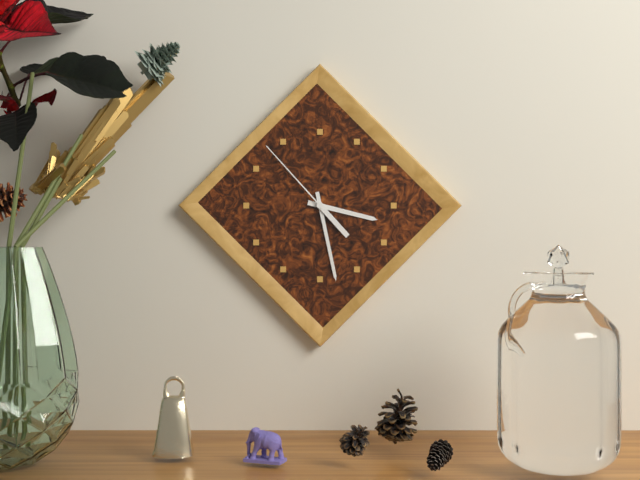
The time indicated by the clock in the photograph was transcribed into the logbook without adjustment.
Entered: 3:28:53
